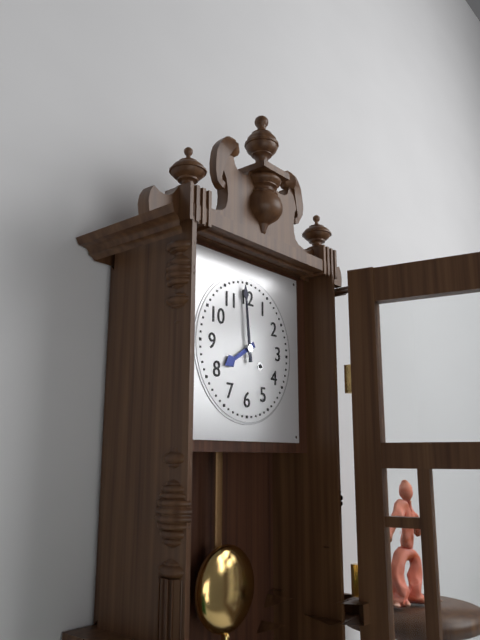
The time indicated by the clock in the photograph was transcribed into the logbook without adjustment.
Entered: 7:59
